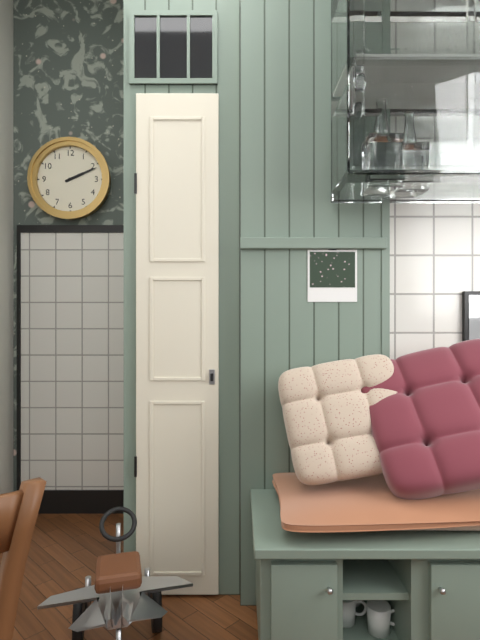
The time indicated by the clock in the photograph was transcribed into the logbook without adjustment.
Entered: 2:11
